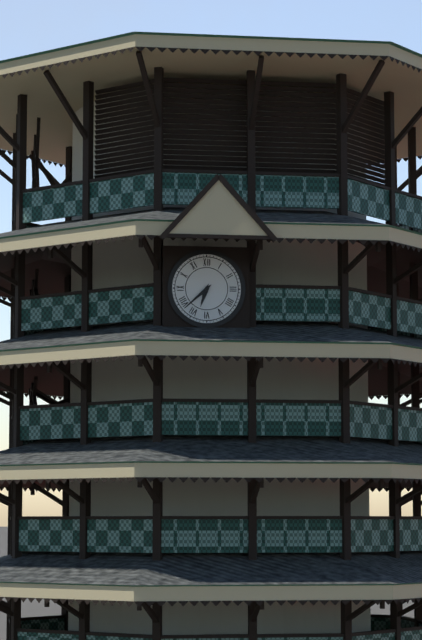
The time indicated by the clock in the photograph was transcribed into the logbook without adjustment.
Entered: 6:38
